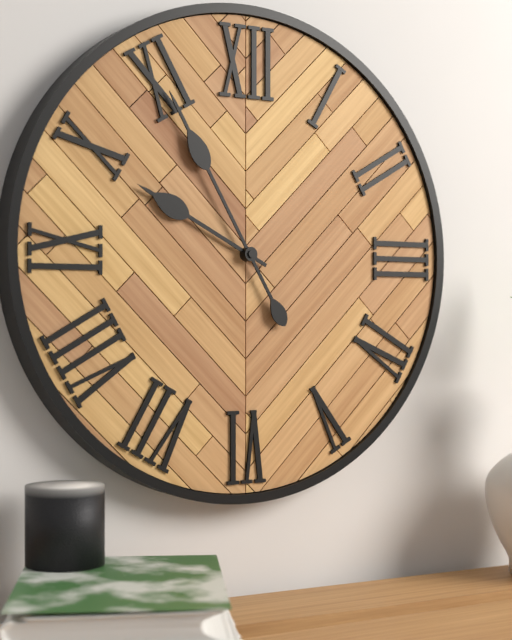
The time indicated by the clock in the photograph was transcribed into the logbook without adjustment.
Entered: 9:55
